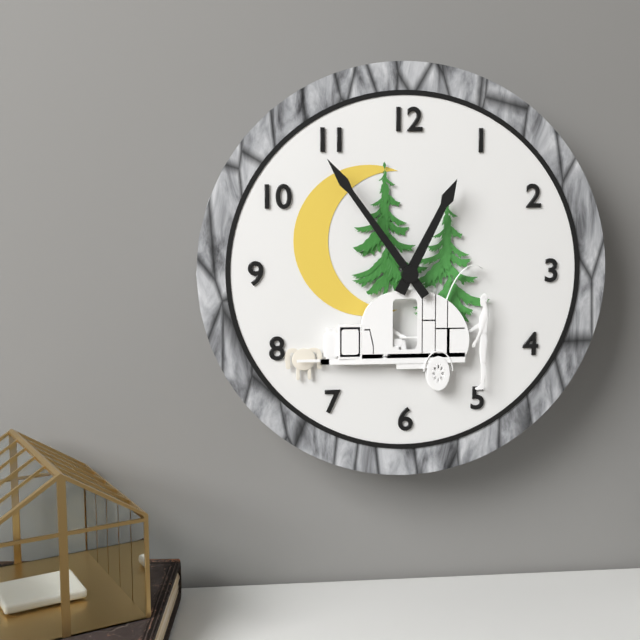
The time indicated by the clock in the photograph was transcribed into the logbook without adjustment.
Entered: 12:54
